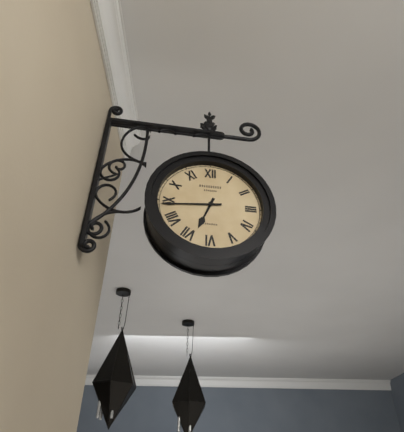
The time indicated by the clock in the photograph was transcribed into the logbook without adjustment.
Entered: 6:44
